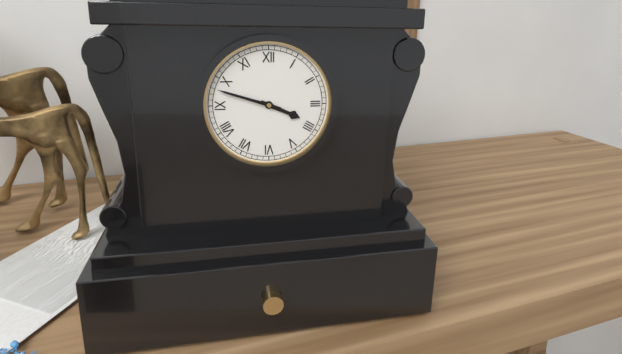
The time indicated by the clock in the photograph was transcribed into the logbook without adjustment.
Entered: 3:48
